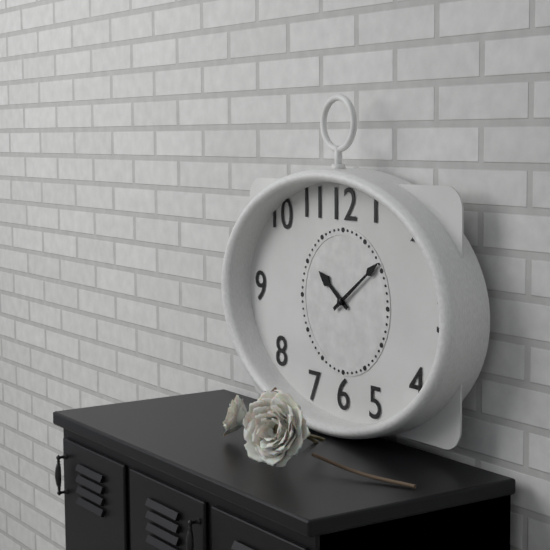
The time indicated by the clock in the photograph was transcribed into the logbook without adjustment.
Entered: 10:09
